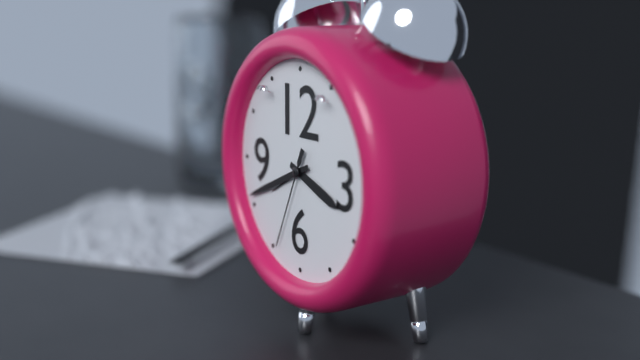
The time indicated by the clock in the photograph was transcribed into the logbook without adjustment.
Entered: 3:41:34
